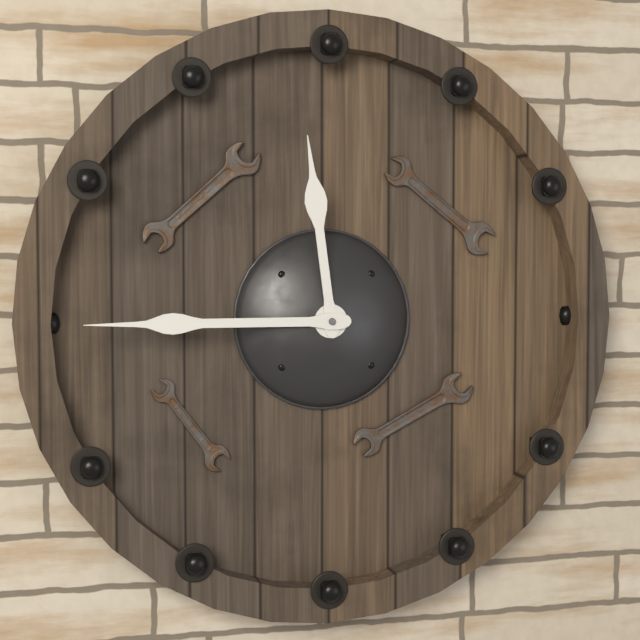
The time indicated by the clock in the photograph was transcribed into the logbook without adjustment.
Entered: 11:45
